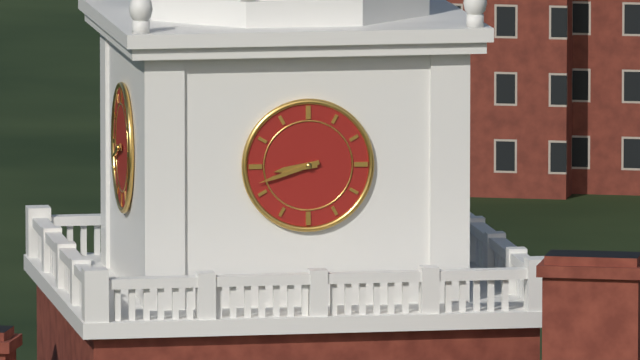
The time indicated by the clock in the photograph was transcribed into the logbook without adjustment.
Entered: 8:42
